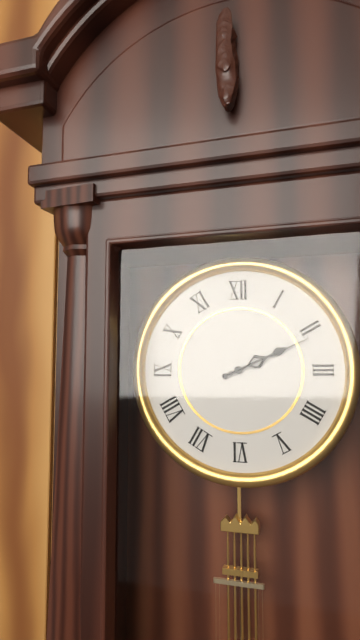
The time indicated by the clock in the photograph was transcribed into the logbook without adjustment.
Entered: 2:11
